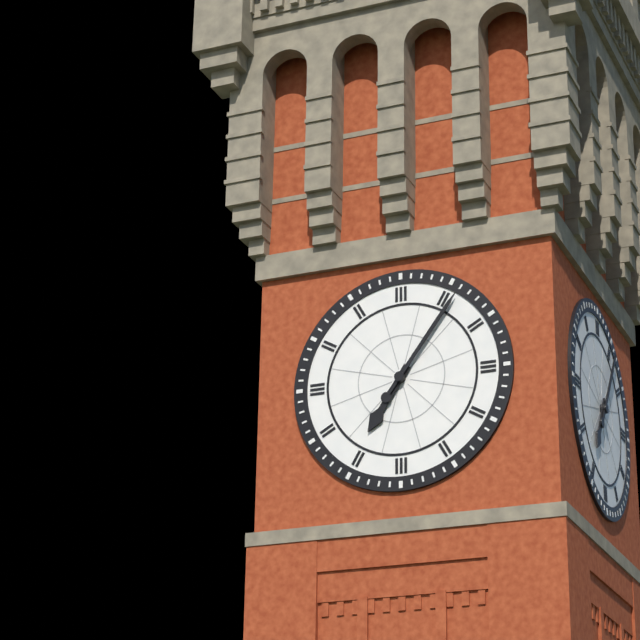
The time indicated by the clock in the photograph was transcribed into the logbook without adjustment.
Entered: 7:06
